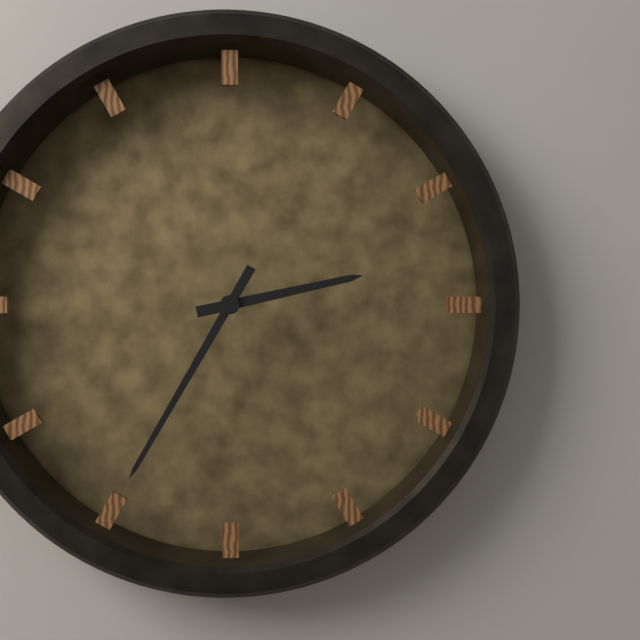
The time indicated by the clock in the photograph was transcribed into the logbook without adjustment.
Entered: 2:35
